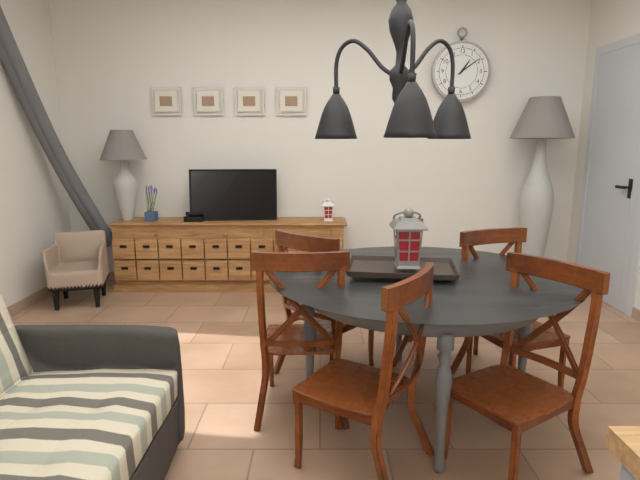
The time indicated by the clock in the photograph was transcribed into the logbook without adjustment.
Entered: 1:09
